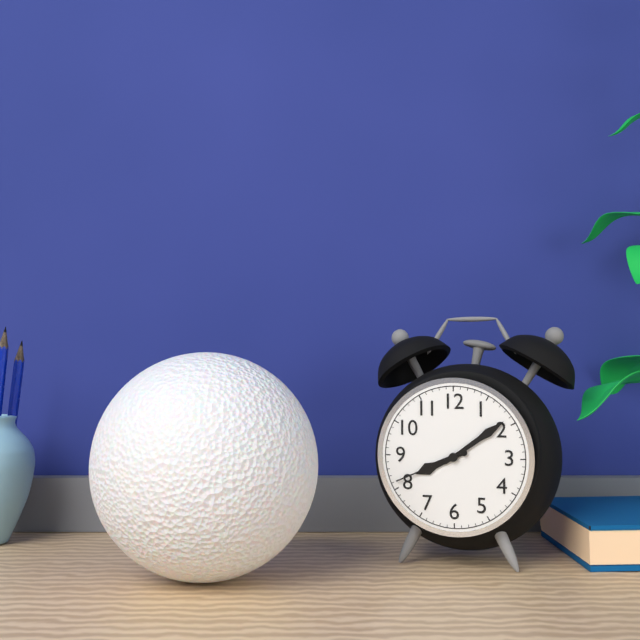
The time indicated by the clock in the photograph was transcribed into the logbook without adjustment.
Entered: 8:09:41
